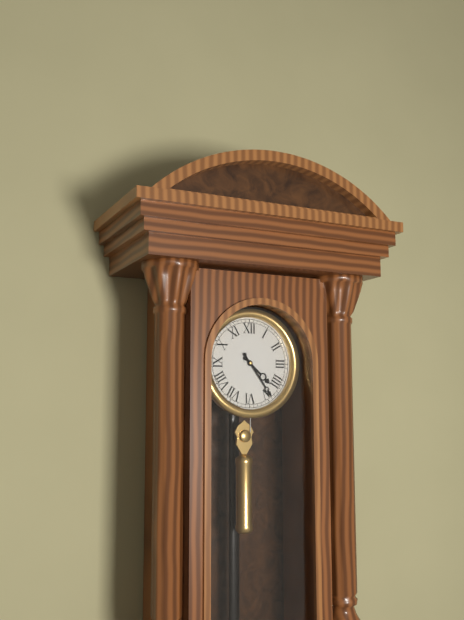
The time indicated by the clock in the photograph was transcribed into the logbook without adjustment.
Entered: 4:24
